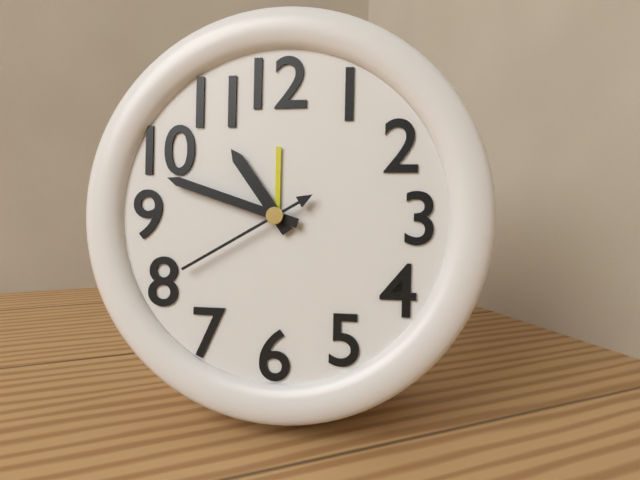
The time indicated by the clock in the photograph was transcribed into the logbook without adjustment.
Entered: 10:48:40
